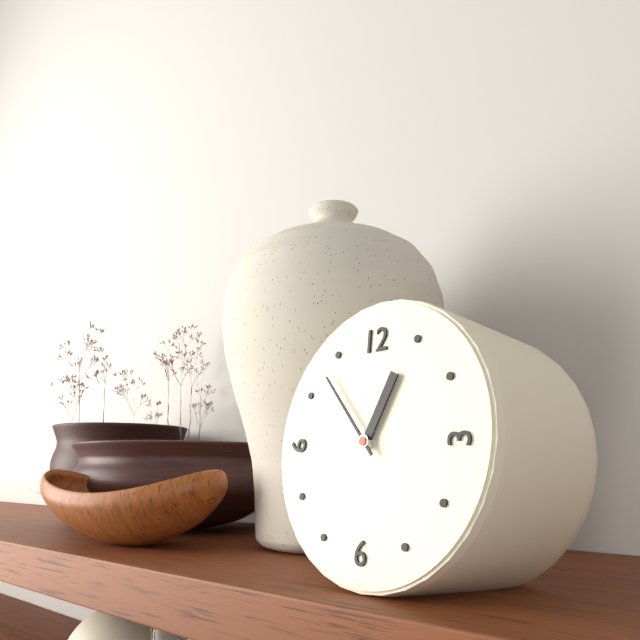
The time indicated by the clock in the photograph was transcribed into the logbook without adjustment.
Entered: 12:53
